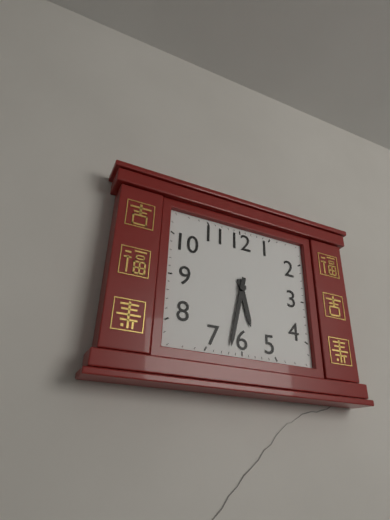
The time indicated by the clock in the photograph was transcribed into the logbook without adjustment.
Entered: 5:32
